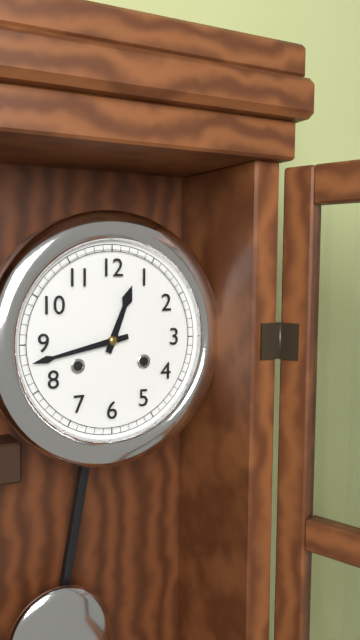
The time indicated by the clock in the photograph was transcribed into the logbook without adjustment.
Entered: 12:43
